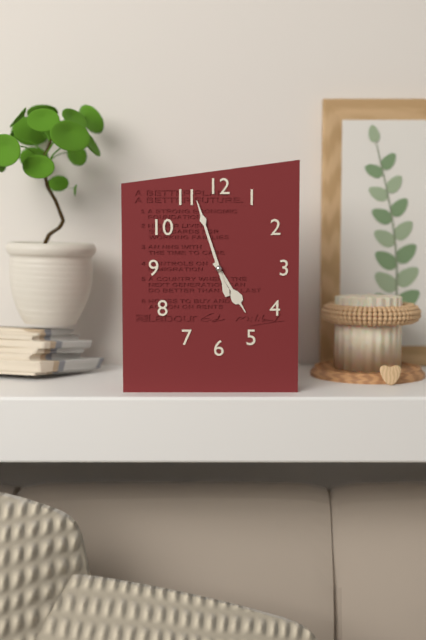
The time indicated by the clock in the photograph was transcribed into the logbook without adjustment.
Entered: 4:57
